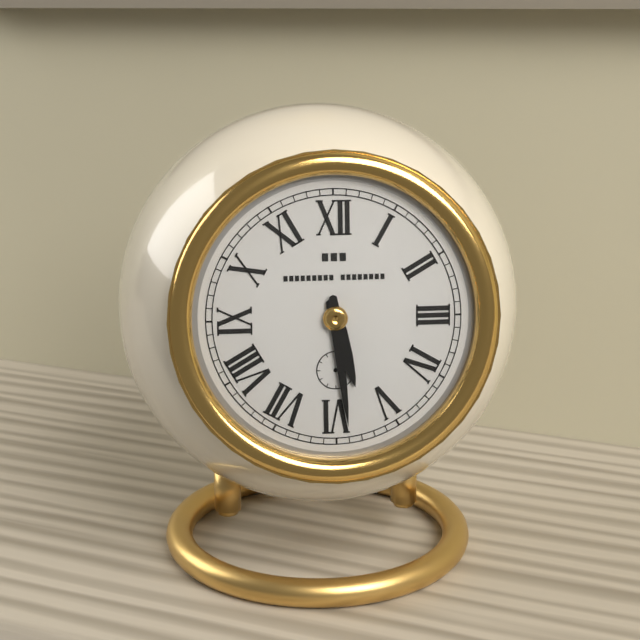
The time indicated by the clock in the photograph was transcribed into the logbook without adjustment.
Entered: 5:29
